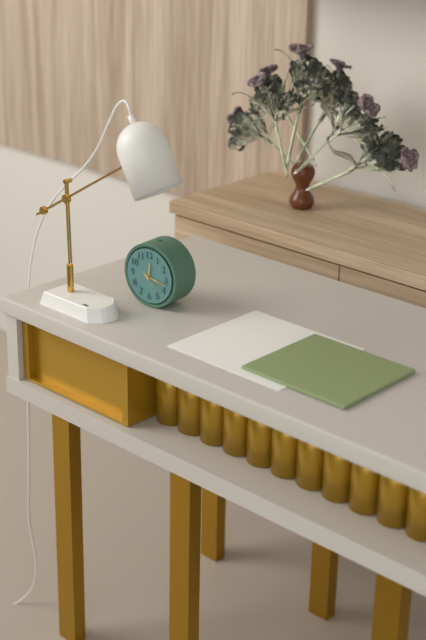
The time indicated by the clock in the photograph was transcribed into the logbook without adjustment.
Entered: 12:17
